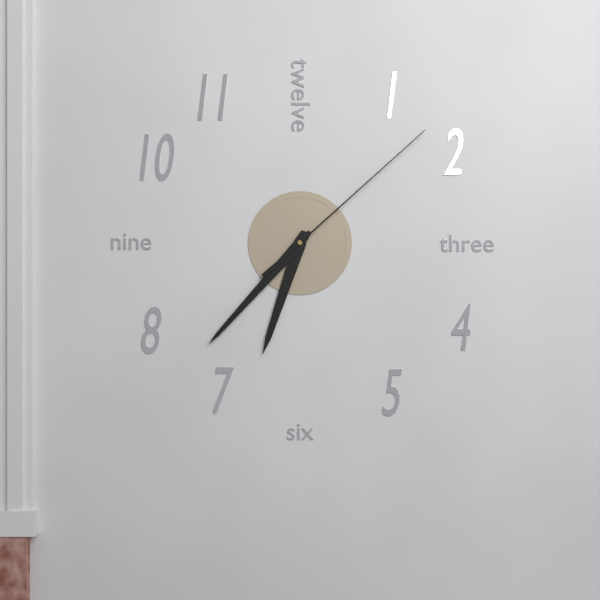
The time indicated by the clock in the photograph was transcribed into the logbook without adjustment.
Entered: 6:37:08
